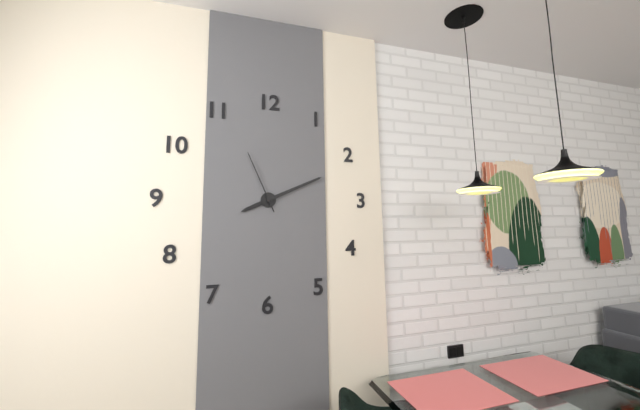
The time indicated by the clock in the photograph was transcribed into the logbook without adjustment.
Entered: 8:11:56
